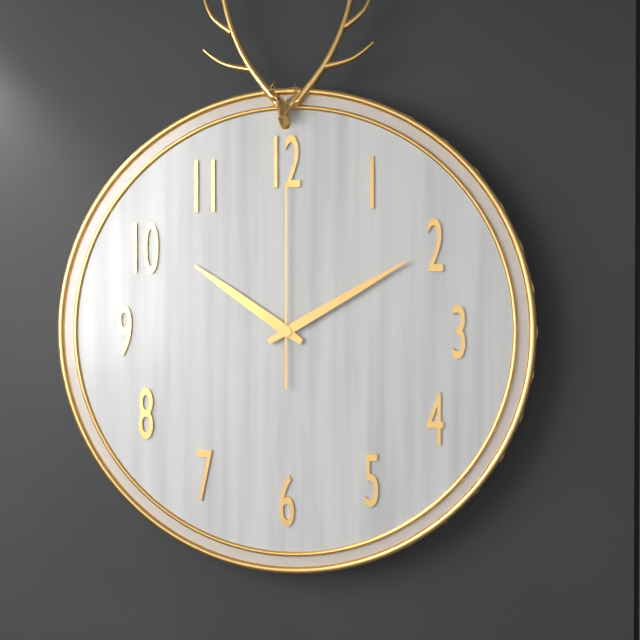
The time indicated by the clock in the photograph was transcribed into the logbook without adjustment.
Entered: 10:10:00
